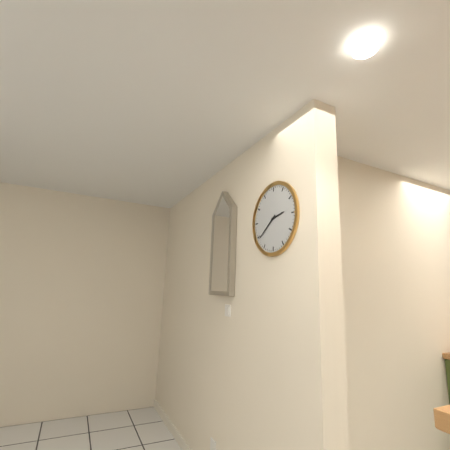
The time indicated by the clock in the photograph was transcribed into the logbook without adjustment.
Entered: 2:39
